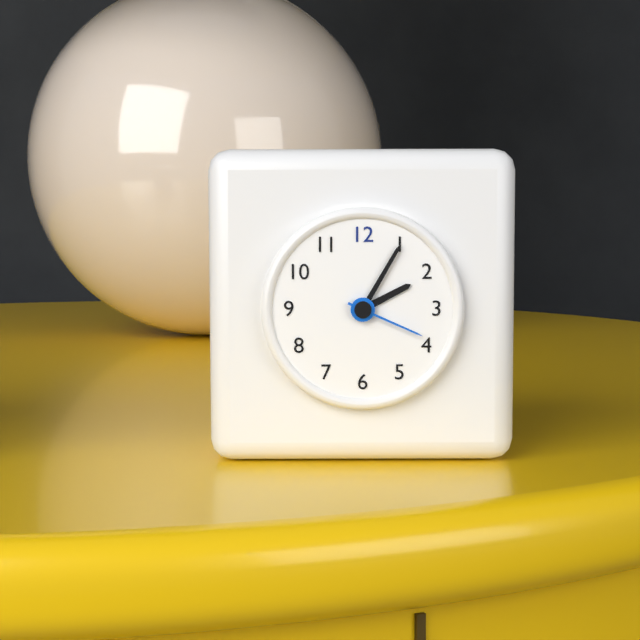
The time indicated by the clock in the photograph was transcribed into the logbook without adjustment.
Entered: 2:05:19
